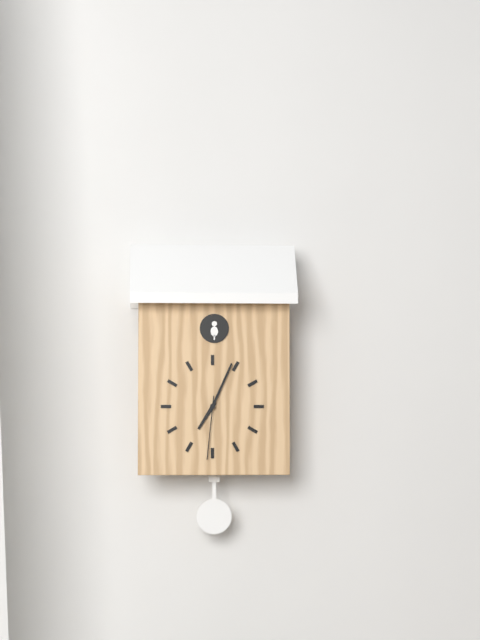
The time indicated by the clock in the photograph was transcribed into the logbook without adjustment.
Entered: 7:04:31
